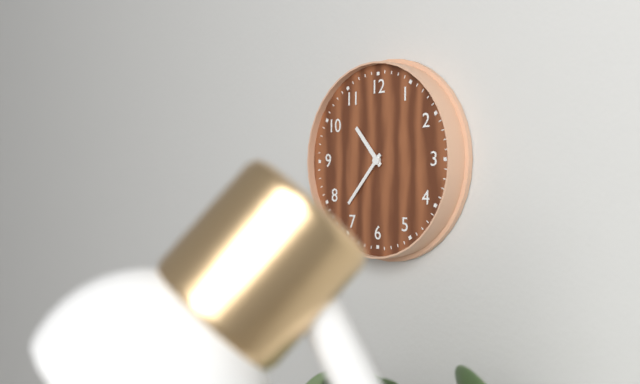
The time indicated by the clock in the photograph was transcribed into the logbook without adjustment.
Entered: 10:37
